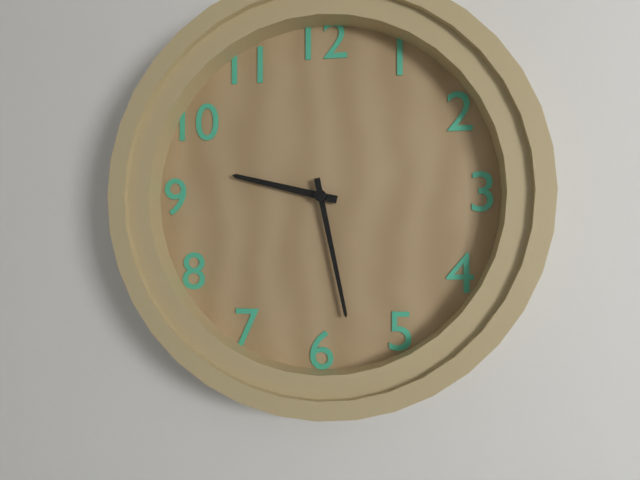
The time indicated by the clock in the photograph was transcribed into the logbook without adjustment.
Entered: 9:28
